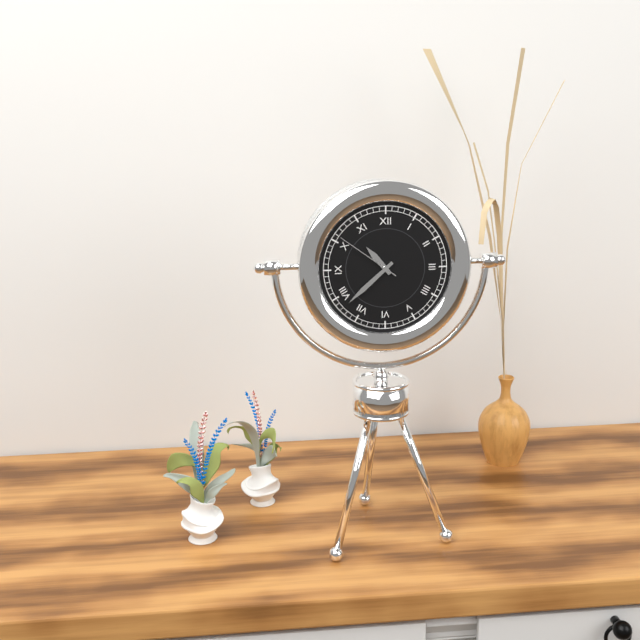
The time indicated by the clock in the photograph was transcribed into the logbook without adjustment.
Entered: 10:38:51
